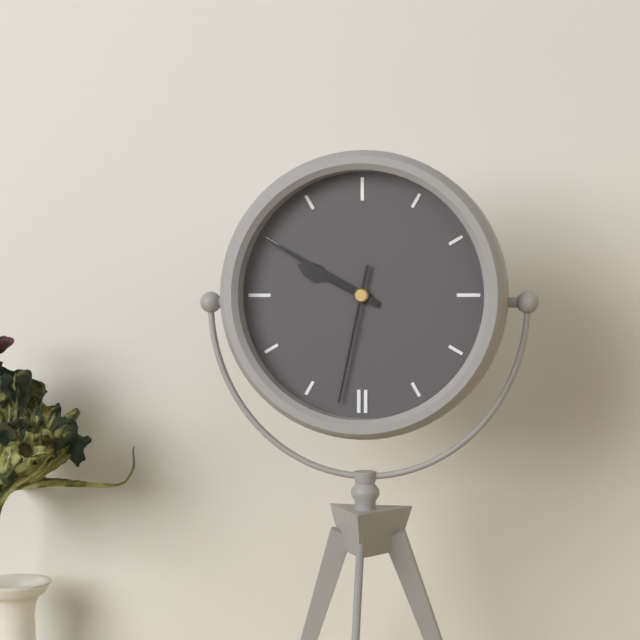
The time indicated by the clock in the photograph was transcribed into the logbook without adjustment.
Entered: 9:50:32
